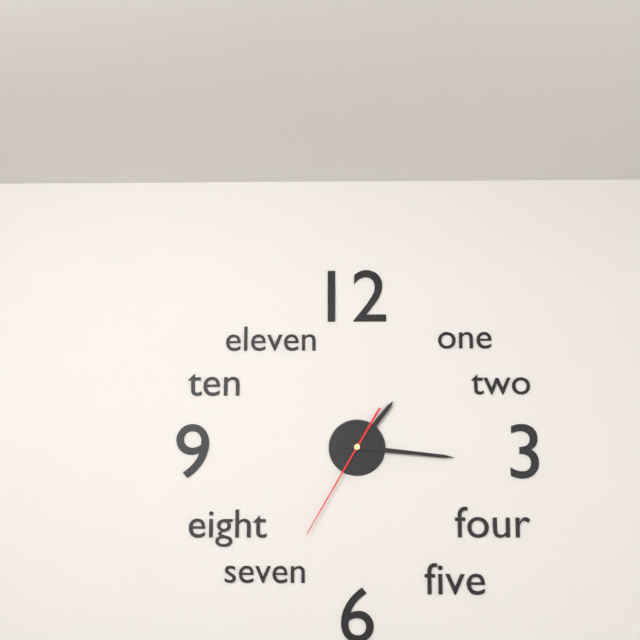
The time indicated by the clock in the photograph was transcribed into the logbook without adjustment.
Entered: 1:16:35
